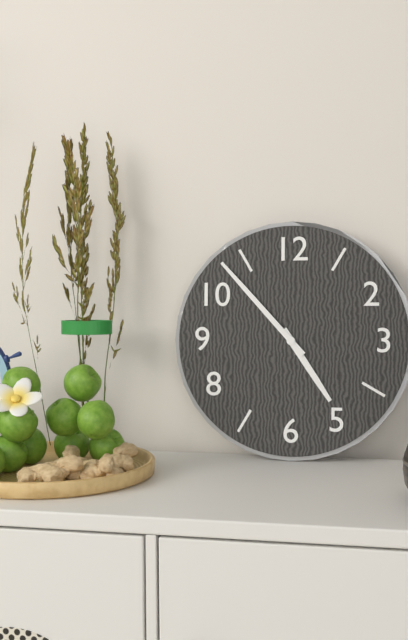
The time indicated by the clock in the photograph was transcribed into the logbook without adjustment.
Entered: 4:53
